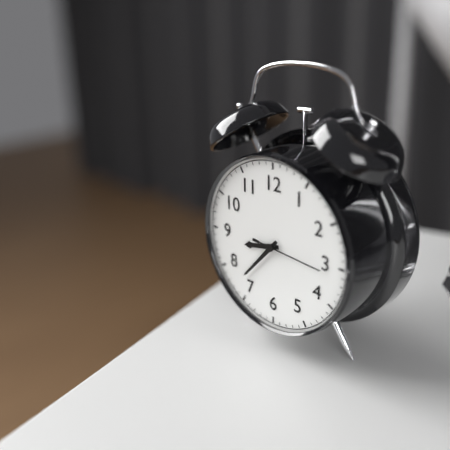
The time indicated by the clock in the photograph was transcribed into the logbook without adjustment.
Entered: 8:37:16
